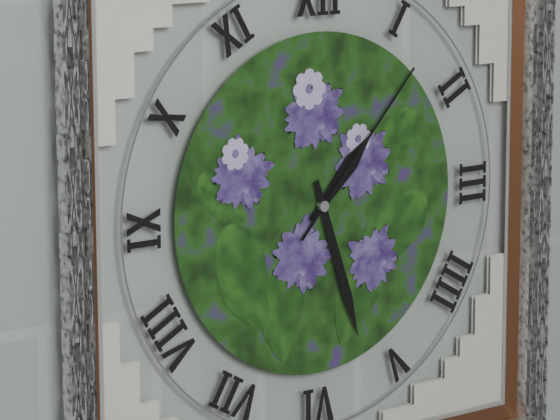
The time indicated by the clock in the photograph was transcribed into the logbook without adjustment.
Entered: 1:27:07
